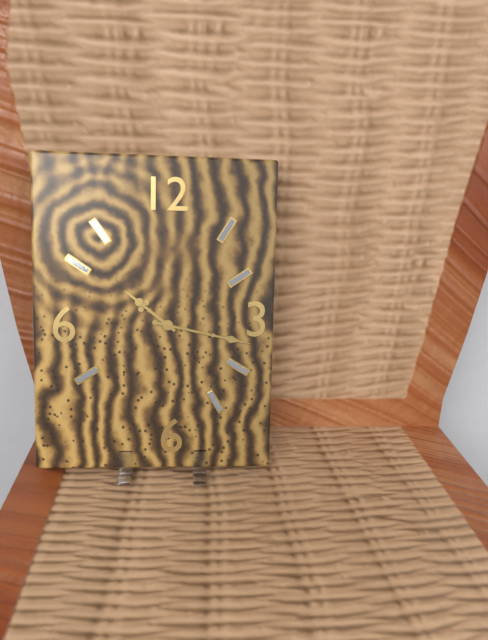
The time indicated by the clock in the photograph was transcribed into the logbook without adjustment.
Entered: 10:17
